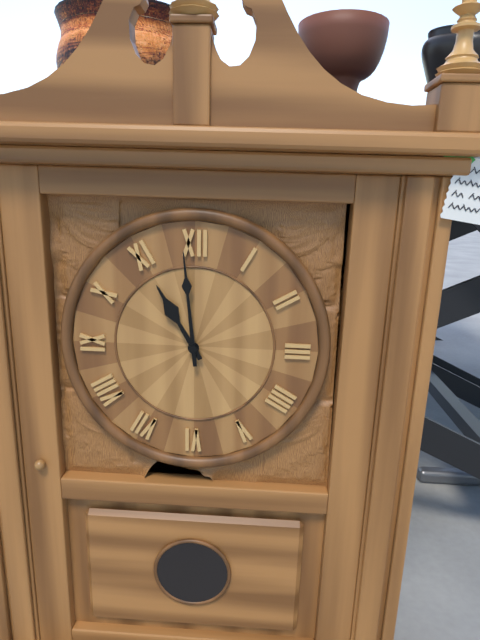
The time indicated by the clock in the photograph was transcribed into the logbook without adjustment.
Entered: 10:59
